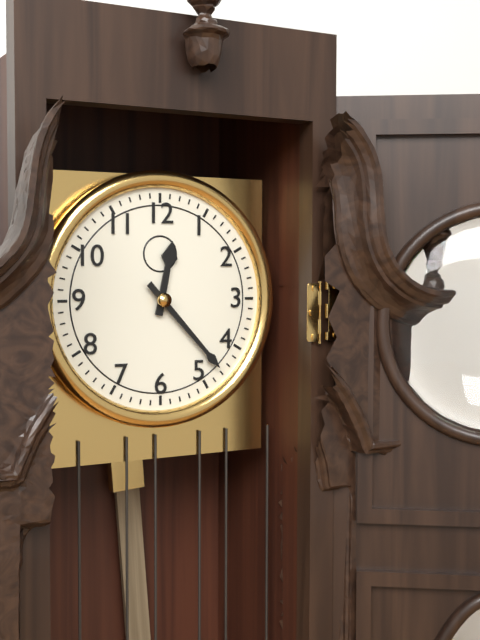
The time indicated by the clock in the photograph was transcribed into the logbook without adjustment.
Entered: 12:23
